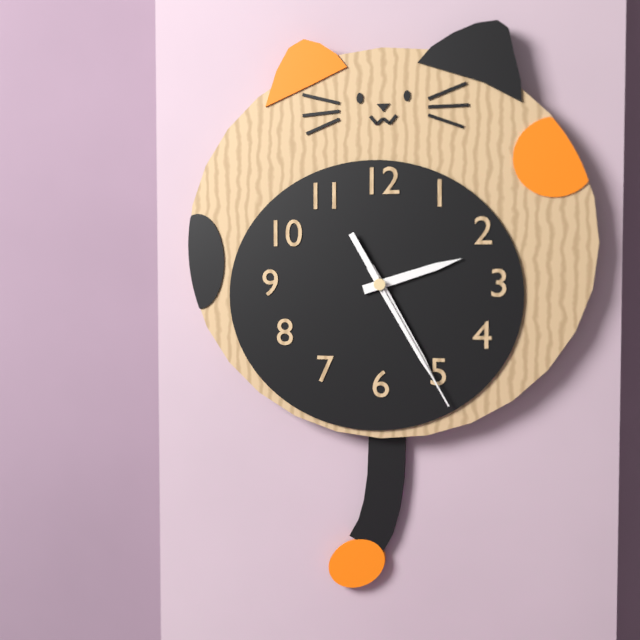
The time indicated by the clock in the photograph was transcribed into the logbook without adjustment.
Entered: 2:25:25
